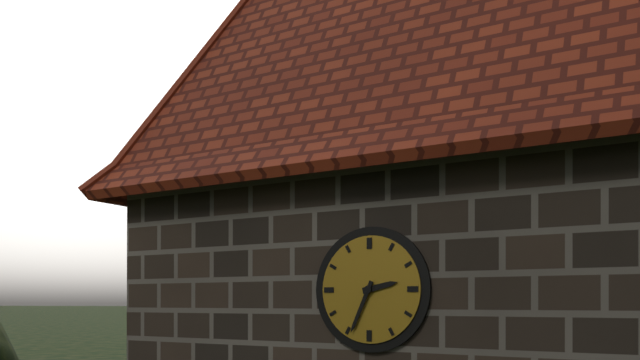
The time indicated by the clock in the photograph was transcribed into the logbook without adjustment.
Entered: 2:34
